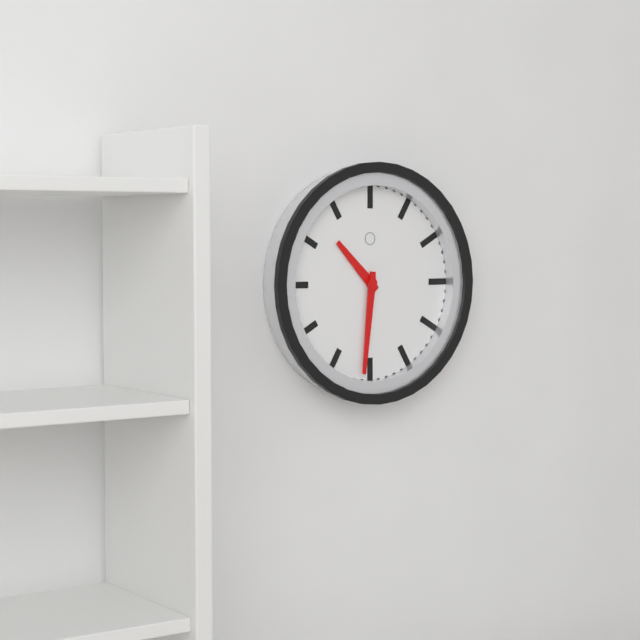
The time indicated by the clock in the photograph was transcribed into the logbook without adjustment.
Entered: 10:31
